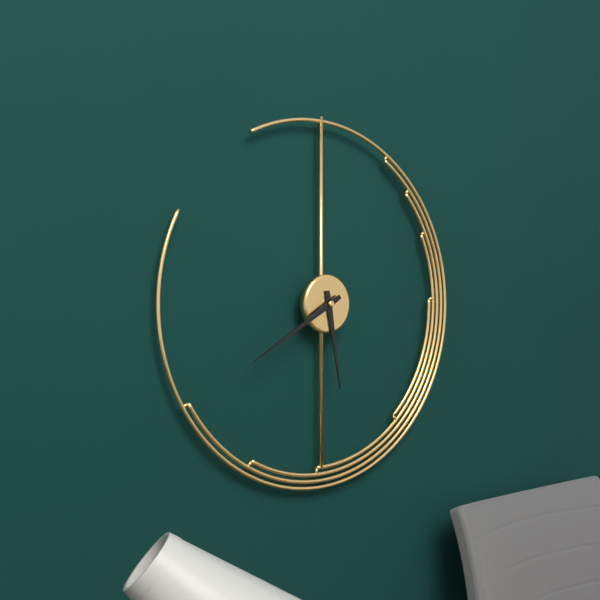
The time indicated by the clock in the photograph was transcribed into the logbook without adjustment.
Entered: 5:40
